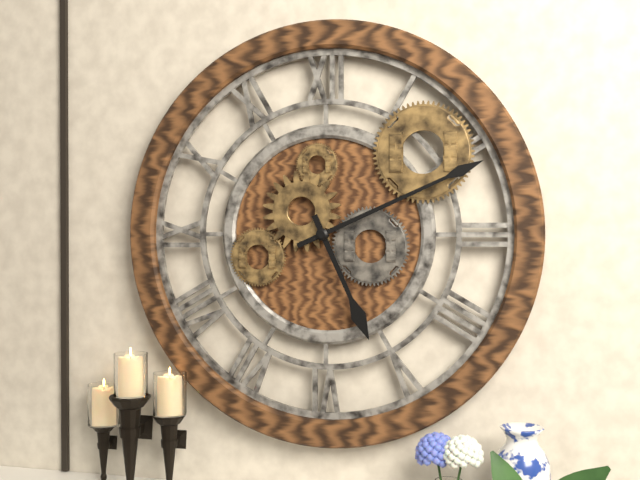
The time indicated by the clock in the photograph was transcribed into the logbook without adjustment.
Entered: 5:11
